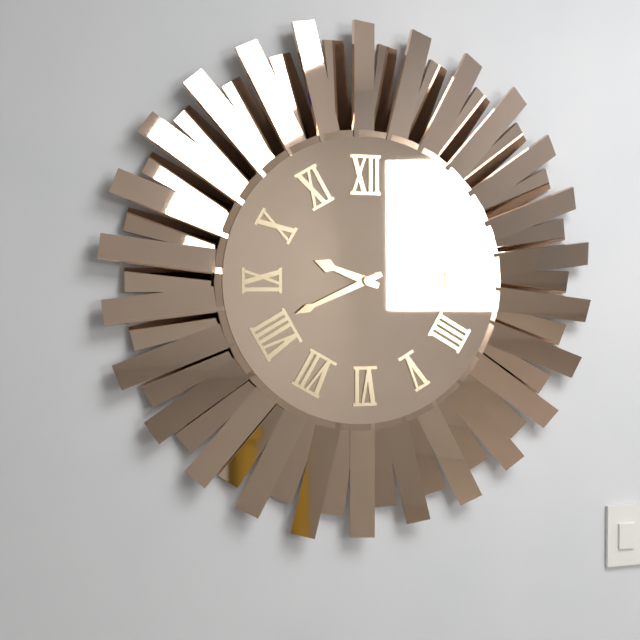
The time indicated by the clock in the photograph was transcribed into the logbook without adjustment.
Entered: 9:41
